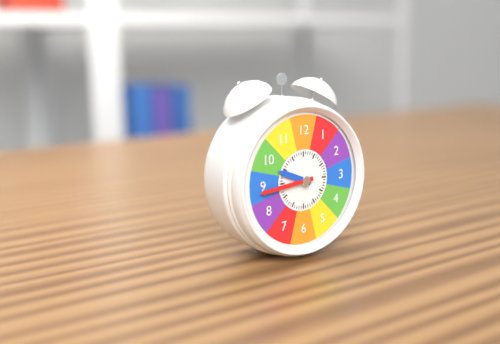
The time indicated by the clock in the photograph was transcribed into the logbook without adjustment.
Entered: 9:44
